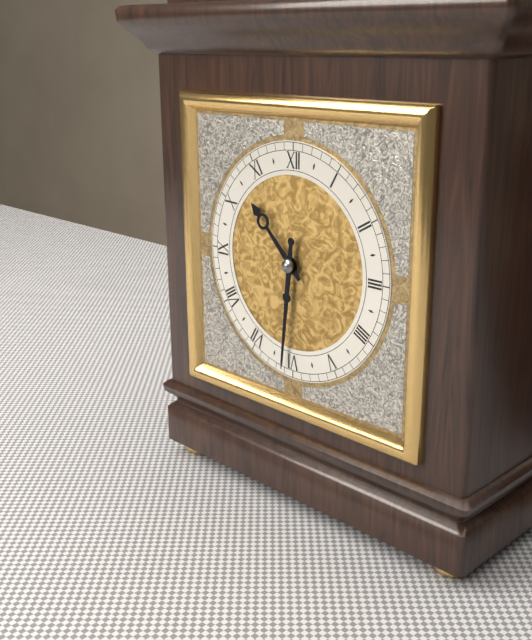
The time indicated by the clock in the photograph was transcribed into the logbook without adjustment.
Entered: 10:31
